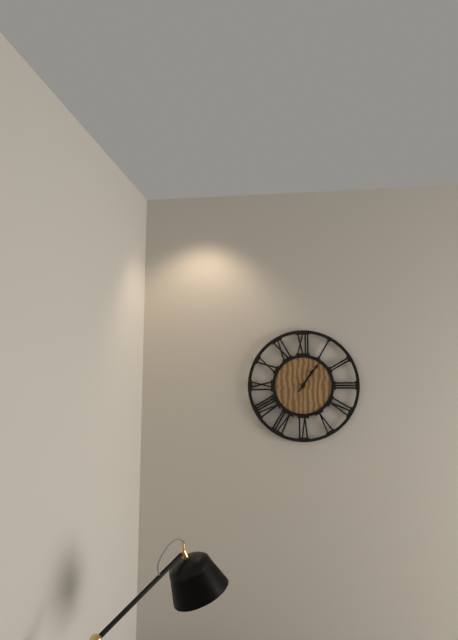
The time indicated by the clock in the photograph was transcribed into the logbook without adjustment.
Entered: 1:06
